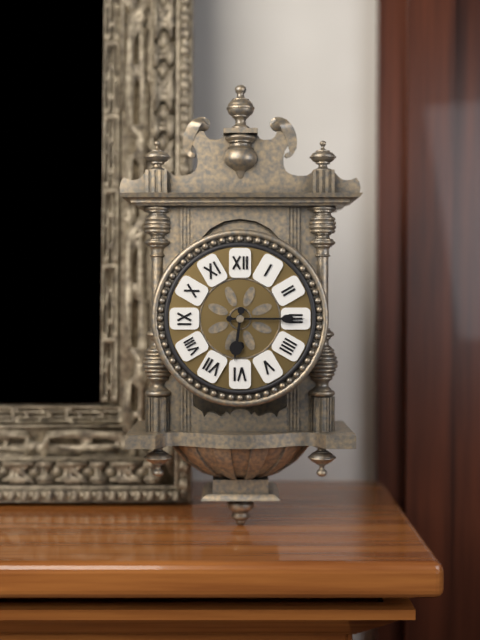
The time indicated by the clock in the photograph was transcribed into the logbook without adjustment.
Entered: 6:15
